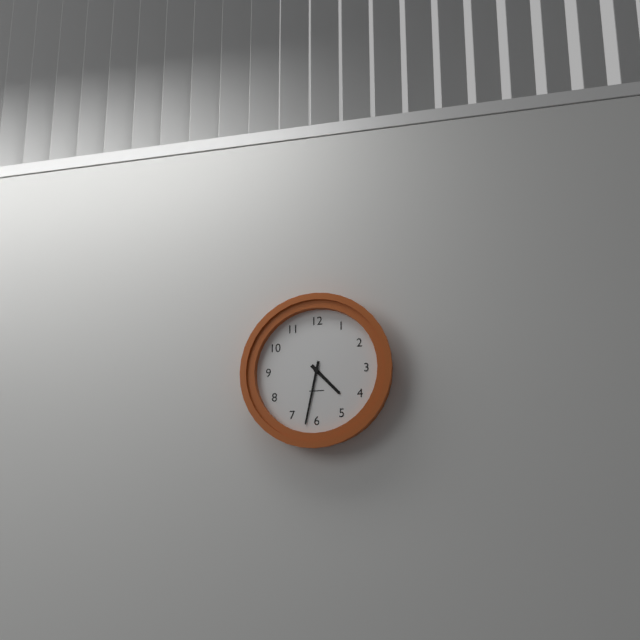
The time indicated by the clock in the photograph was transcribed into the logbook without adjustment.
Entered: 4:32
